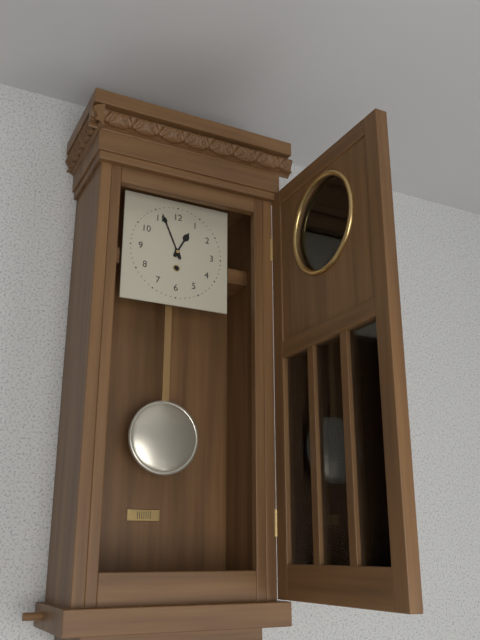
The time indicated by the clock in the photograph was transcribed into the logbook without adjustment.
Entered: 12:56
